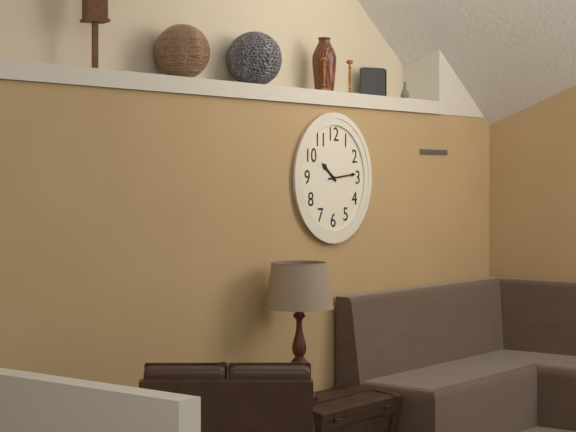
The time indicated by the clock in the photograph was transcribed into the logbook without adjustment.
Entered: 10:14
